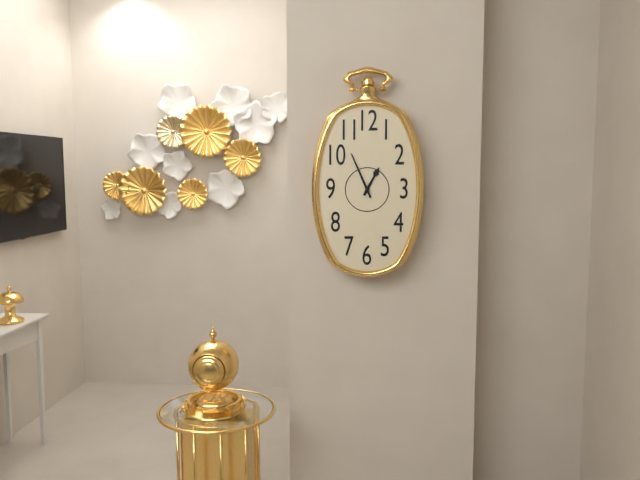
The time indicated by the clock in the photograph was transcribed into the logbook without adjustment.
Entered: 12:56
